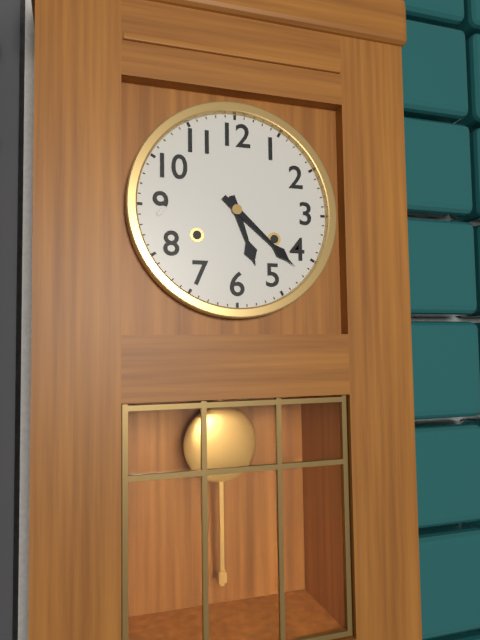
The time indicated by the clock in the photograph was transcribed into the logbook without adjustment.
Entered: 5:22
